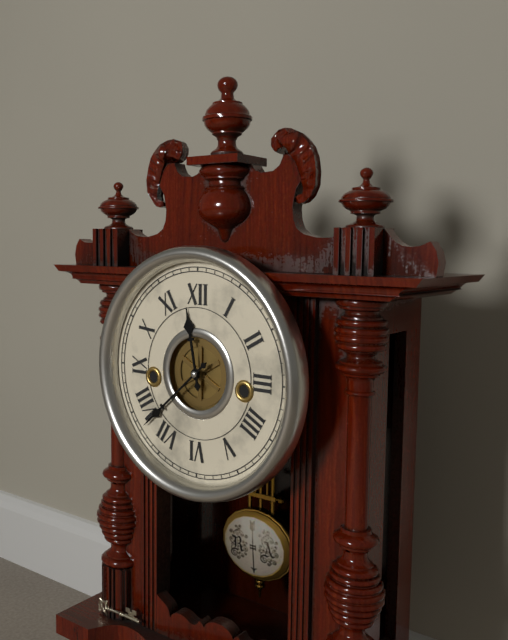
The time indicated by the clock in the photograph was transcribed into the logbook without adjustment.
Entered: 11:38
